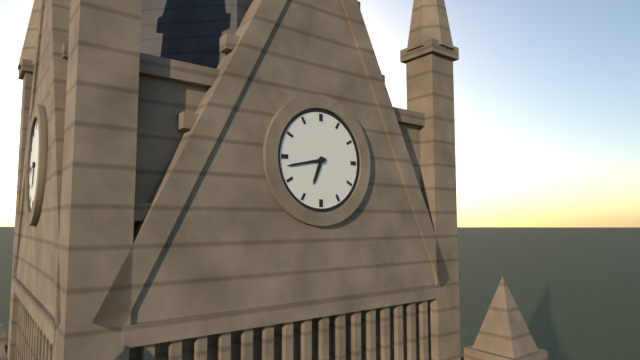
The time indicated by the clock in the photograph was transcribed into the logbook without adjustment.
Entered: 6:43
